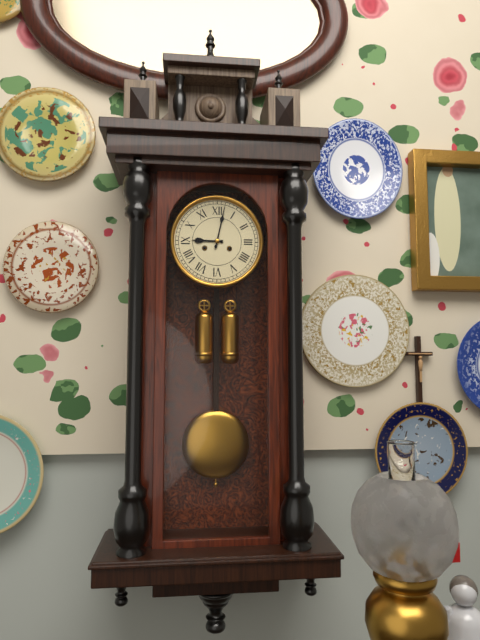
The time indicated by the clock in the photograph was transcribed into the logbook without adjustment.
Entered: 9:02
